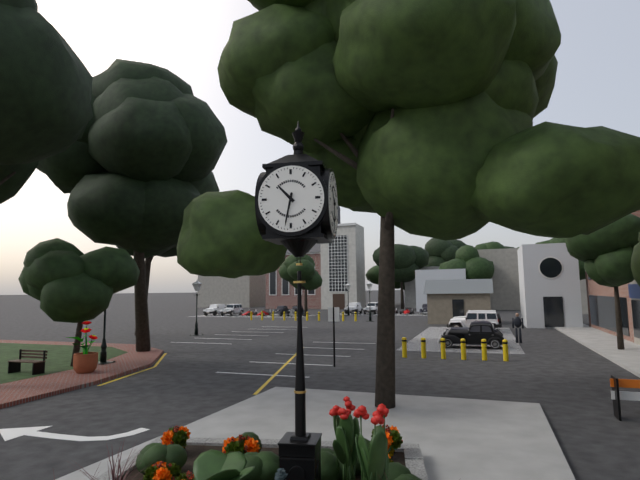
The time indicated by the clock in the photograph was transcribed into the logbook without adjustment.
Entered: 10:32
